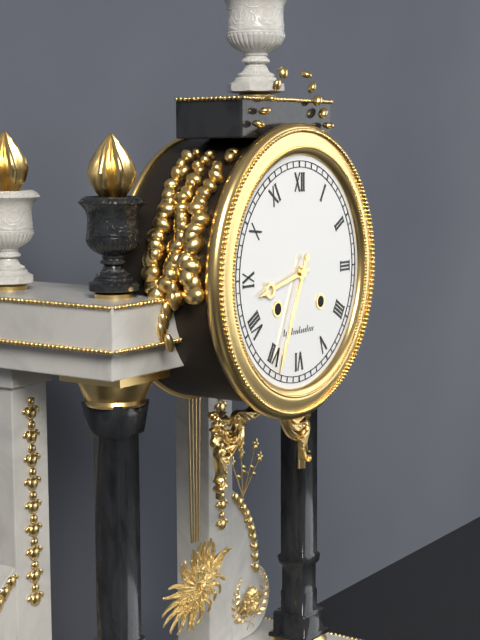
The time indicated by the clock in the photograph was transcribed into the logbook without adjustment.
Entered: 8:34
